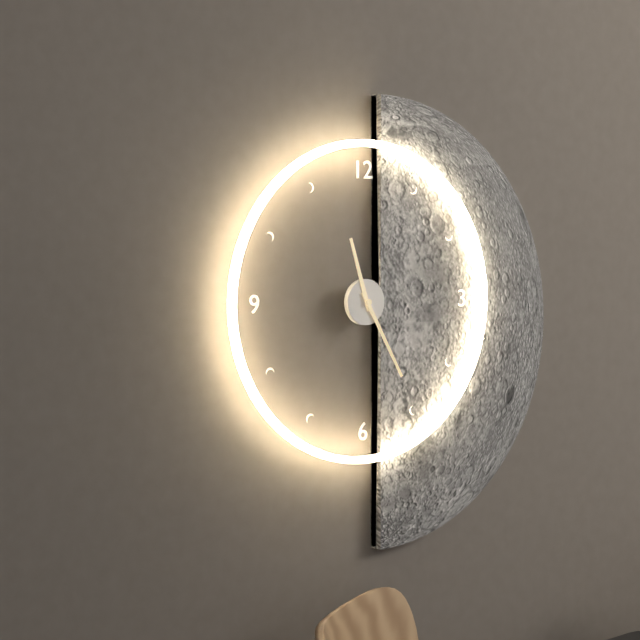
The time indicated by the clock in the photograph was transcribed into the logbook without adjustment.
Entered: 11:25
